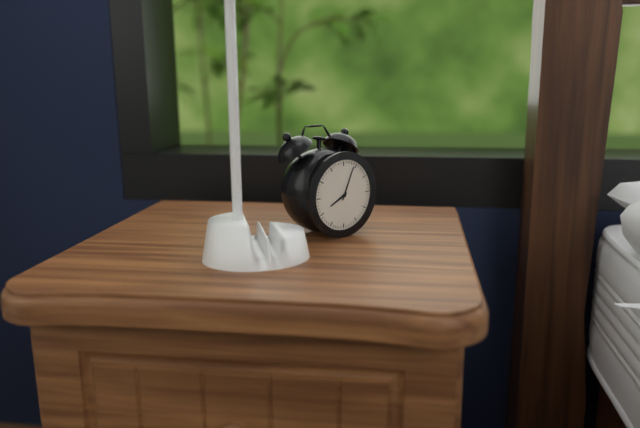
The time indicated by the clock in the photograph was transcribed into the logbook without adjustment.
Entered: 8:04
